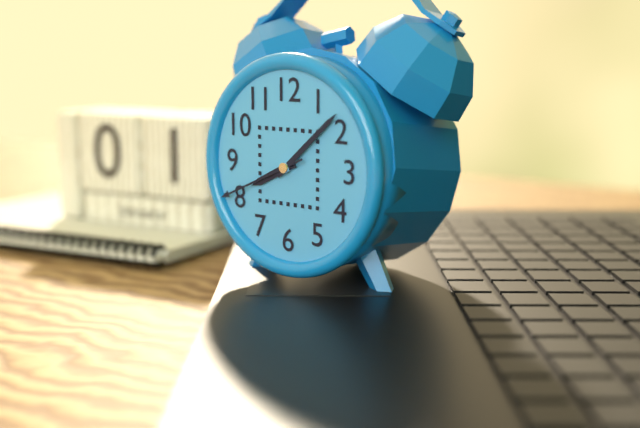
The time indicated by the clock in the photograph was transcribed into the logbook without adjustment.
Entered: 8:08:41
